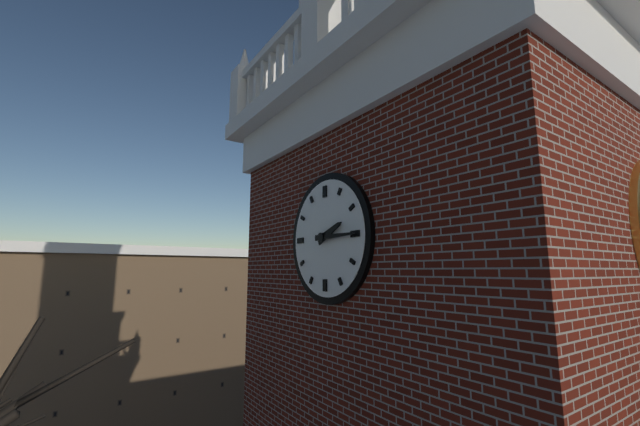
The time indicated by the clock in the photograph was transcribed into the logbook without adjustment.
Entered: 2:15
